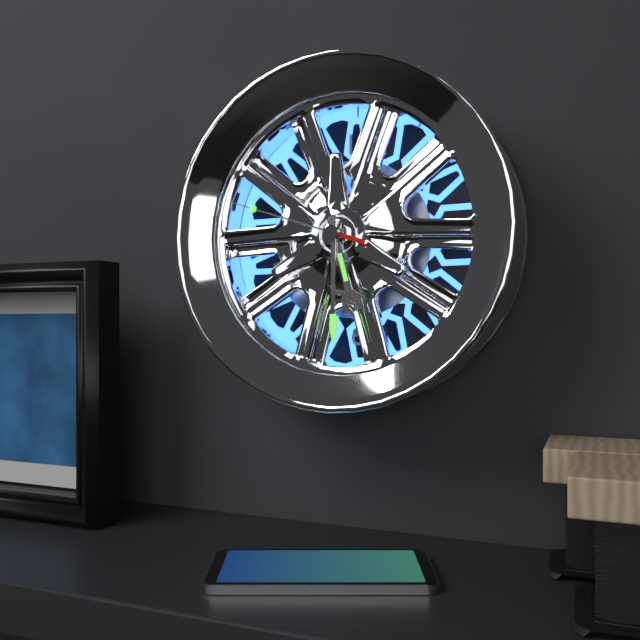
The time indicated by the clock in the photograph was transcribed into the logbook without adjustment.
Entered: 5:30:48
